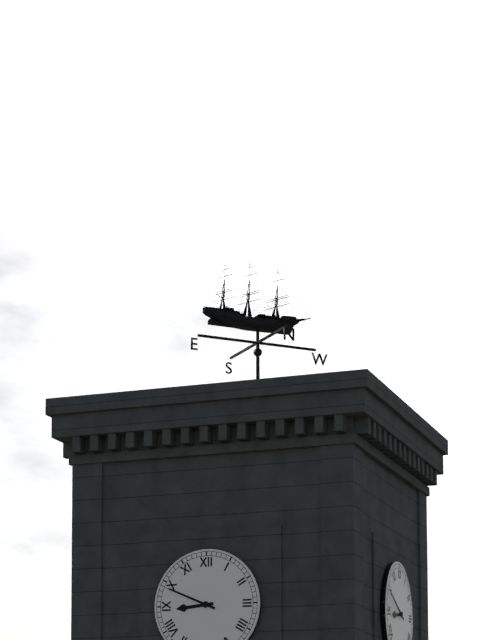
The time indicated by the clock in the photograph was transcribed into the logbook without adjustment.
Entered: 8:49
